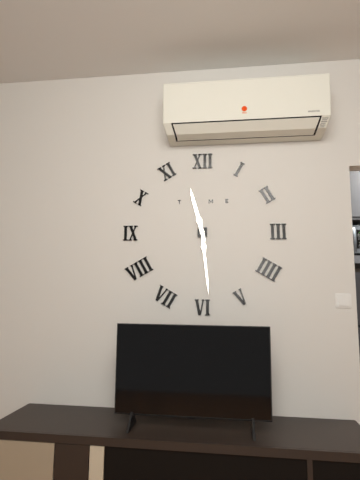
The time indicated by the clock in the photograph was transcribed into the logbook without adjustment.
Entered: 11:29
